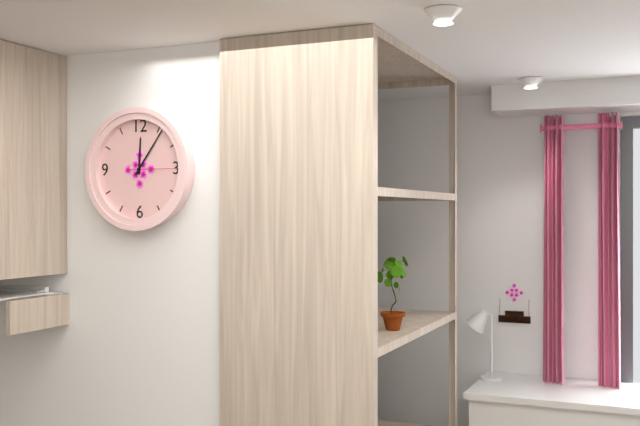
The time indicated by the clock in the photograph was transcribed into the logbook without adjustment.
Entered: 12:06:15
